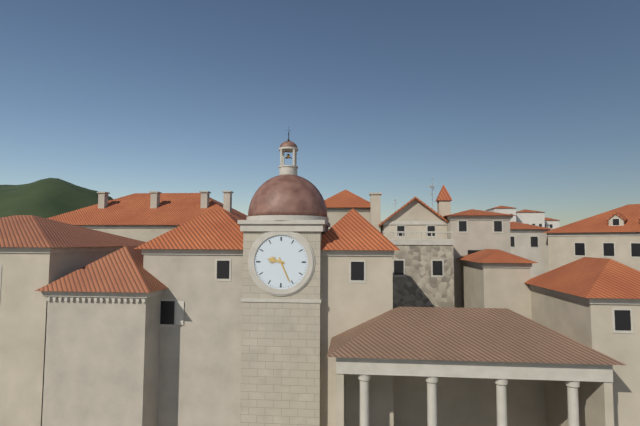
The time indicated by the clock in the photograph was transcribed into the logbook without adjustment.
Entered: 9:26
